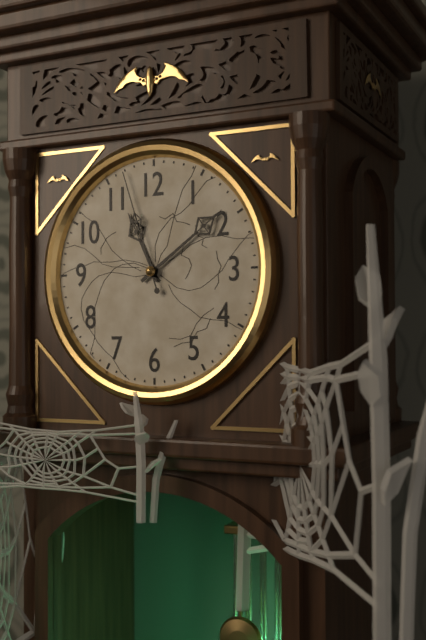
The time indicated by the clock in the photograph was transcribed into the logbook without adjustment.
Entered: 11:09:57
